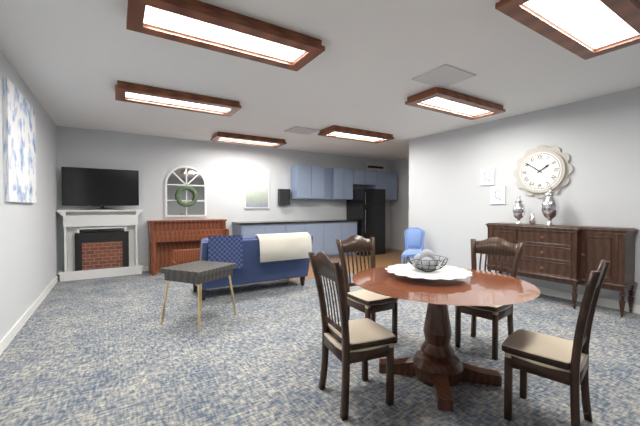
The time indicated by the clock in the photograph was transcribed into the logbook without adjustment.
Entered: 1:51
